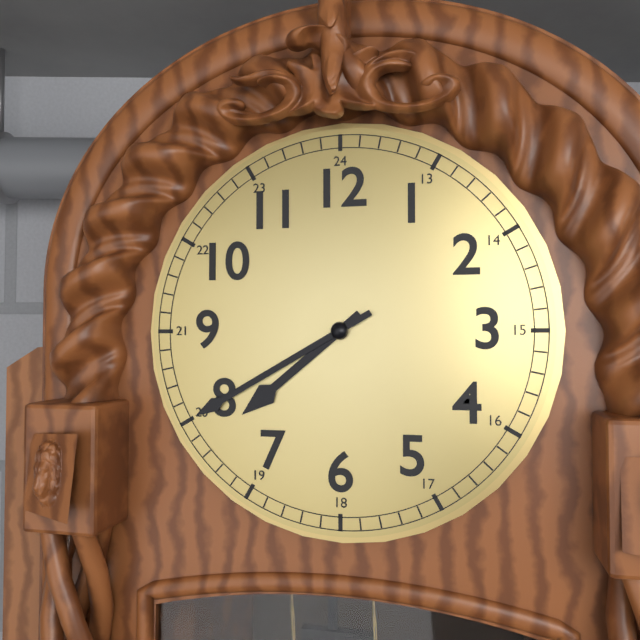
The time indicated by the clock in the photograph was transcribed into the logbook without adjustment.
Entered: 7:40
